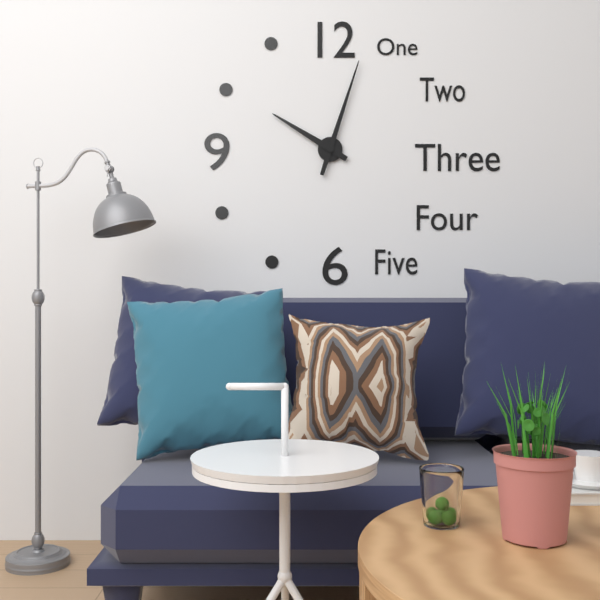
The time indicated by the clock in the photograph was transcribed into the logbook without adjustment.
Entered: 10:03
